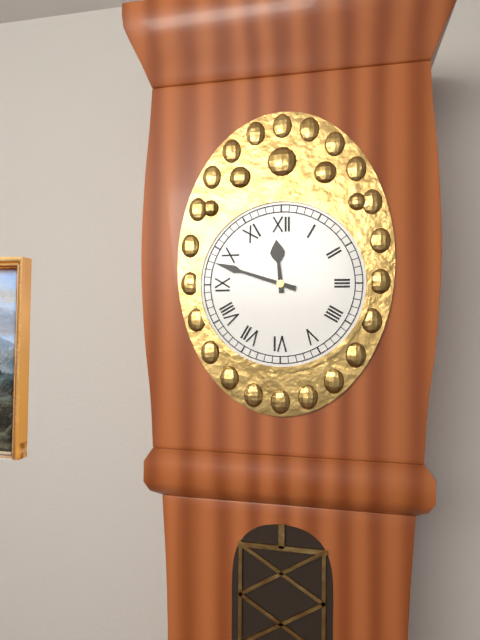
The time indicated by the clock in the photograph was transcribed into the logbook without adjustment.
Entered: 11:48
